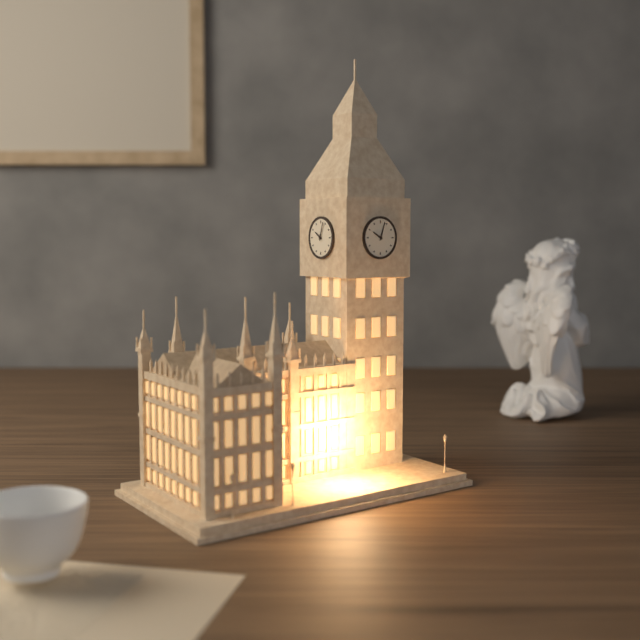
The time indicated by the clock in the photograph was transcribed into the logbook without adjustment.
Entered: 10:03
